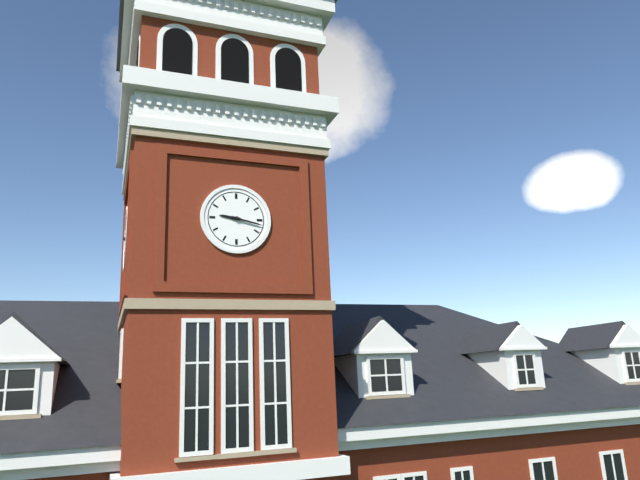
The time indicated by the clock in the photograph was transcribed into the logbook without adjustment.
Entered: 9:17
